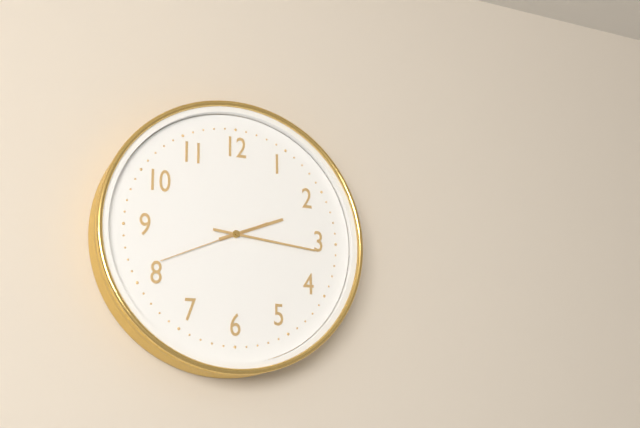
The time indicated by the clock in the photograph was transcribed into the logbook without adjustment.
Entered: 2:16:41
